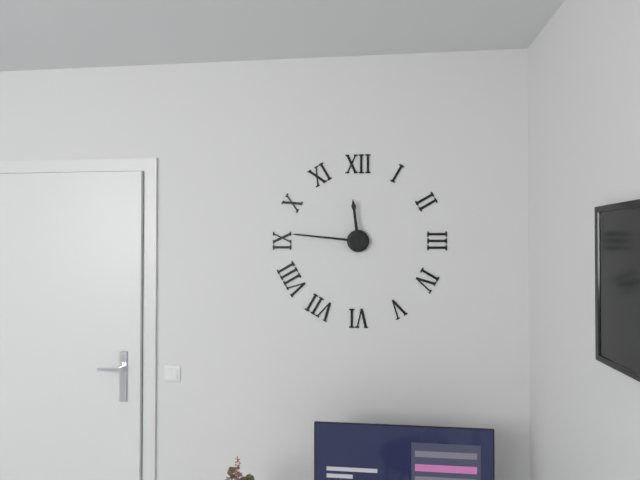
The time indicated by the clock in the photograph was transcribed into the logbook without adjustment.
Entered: 11:46
